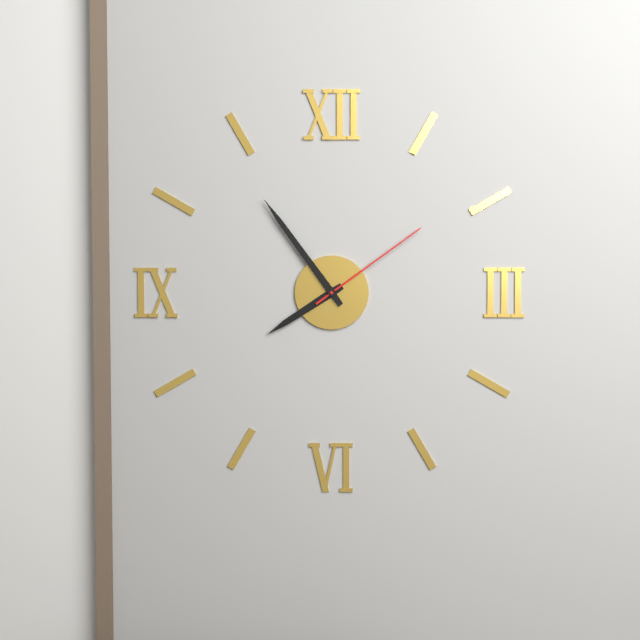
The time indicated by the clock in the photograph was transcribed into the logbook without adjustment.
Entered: 7:54:09
